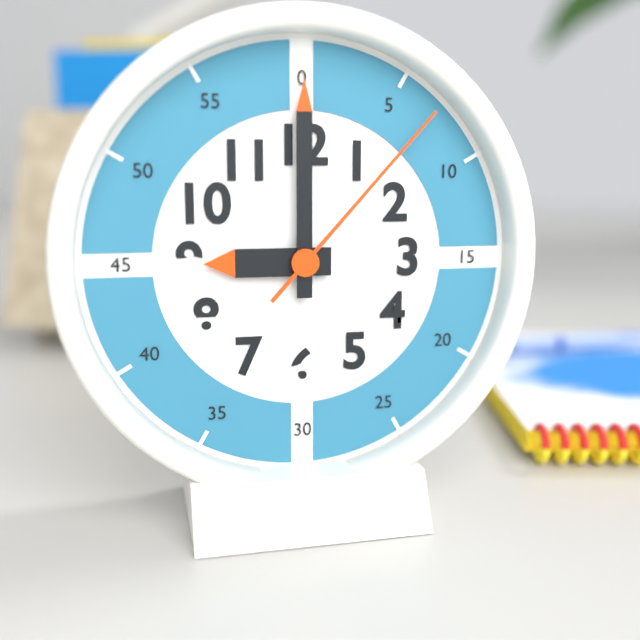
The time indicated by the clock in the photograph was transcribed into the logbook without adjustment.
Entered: 9:00:07
